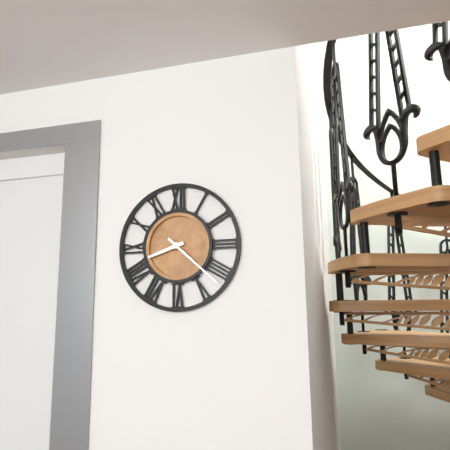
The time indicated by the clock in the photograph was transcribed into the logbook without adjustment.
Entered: 8:22
